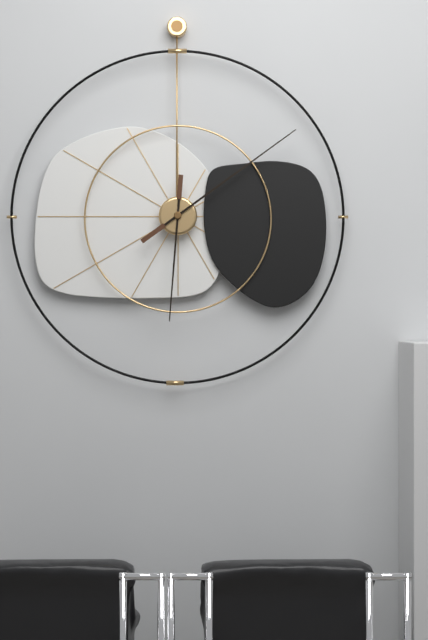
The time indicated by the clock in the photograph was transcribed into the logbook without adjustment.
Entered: 6:09
